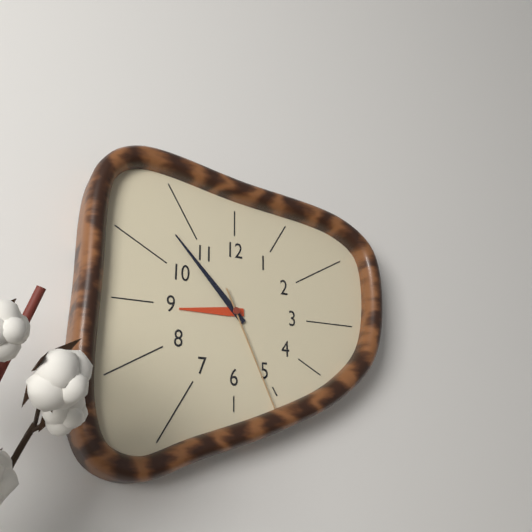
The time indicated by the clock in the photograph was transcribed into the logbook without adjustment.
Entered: 8:53:26
